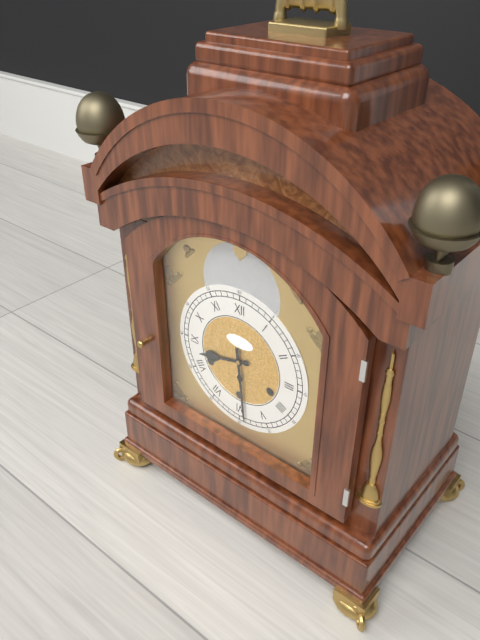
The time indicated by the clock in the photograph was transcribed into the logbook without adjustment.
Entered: 8:29
